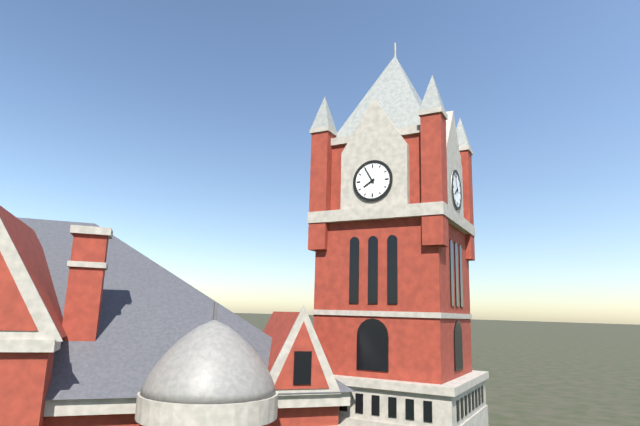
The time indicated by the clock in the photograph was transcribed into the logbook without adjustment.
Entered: 7:55
